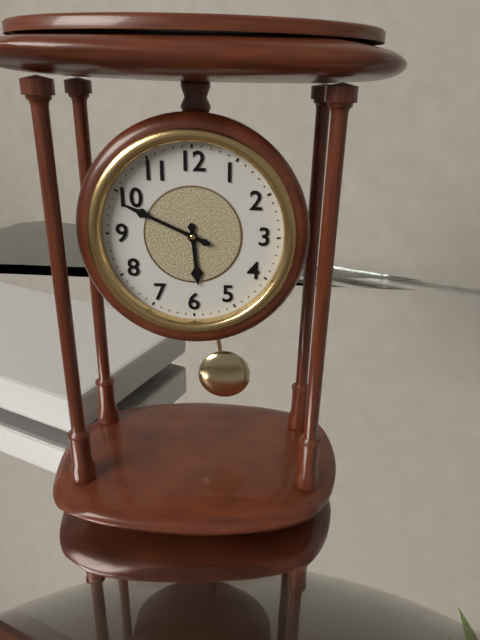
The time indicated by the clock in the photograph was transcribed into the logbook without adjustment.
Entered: 5:49
